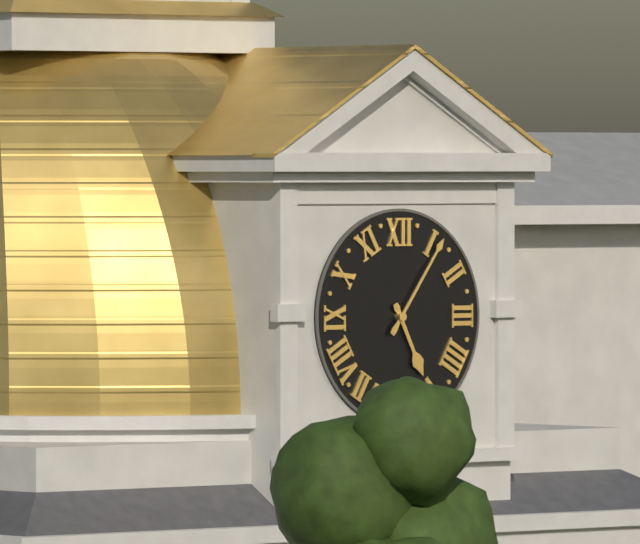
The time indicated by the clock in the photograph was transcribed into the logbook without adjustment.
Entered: 5:06
